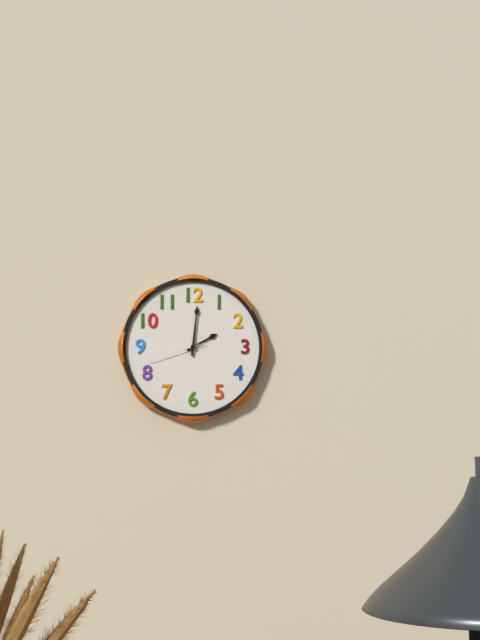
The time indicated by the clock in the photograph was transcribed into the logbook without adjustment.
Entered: 2:01:42
